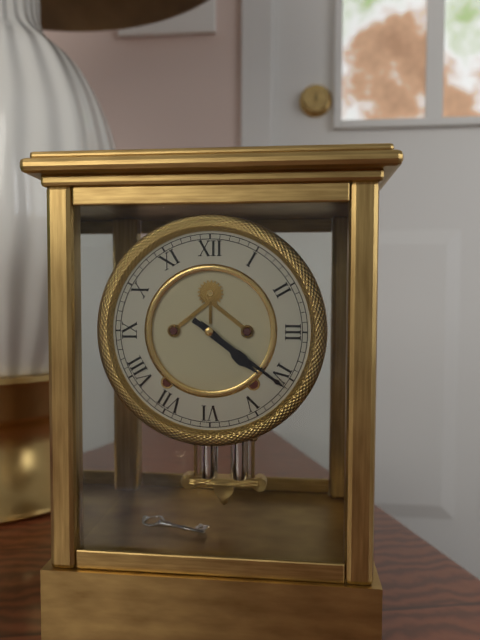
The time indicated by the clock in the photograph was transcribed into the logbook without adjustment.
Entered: 4:21
